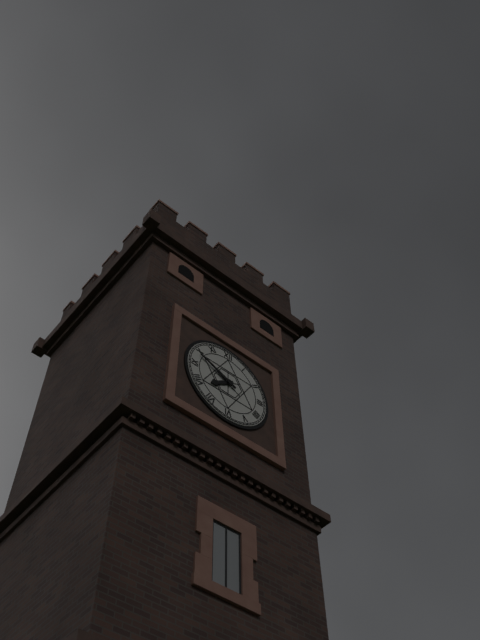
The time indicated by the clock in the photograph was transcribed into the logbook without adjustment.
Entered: 7:49
